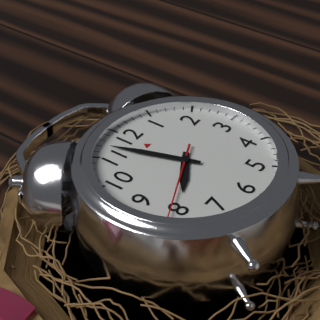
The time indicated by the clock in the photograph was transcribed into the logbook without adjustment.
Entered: 7:57:41
